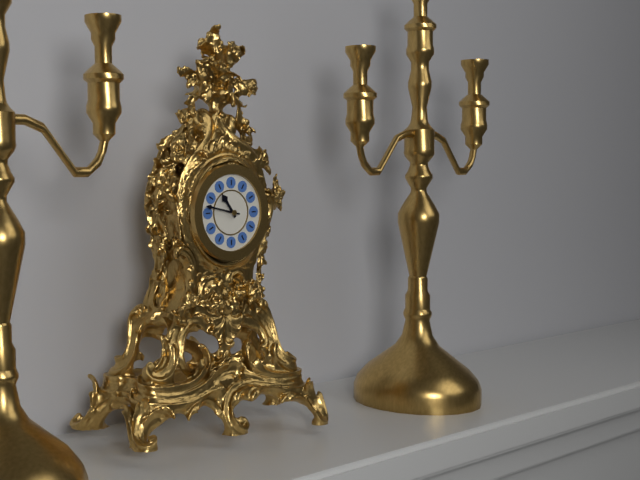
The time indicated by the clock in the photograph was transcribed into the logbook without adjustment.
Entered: 10:47
